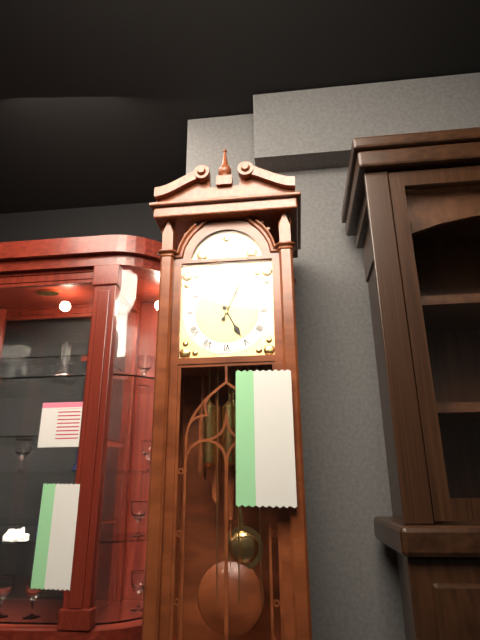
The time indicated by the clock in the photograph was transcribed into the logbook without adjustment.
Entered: 5:04
